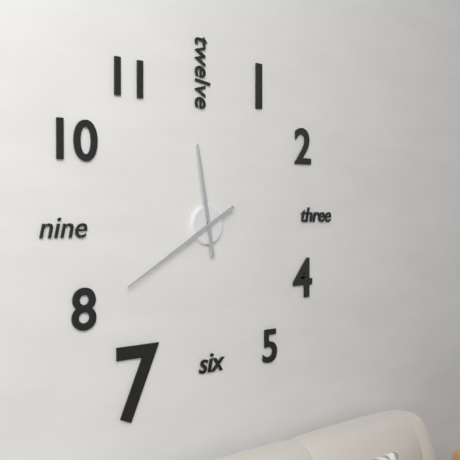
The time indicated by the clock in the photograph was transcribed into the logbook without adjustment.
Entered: 11:40
